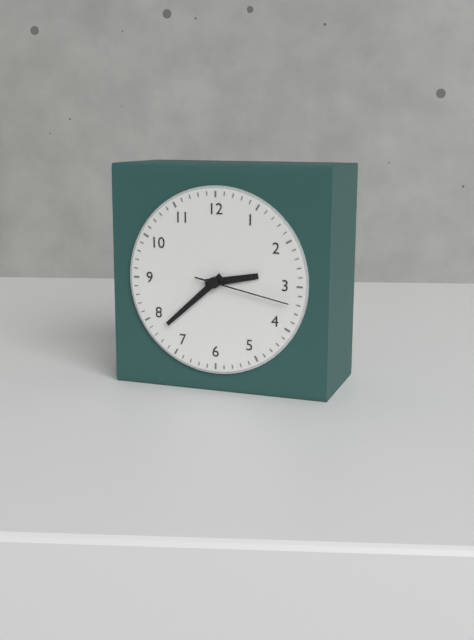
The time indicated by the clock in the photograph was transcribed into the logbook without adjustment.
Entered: 2:38:17
